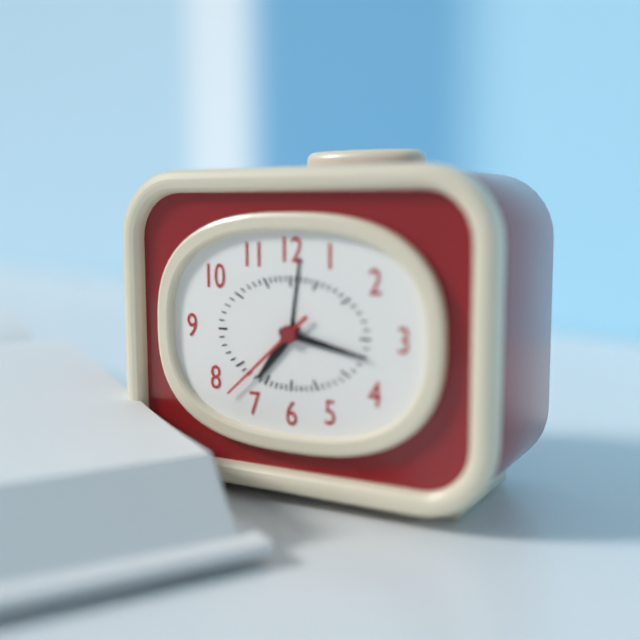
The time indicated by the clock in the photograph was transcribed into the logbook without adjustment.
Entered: 7:17:38
